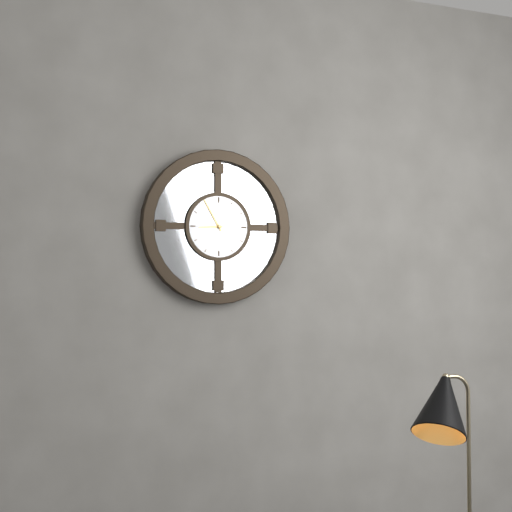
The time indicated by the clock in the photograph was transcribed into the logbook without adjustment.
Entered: 8:55
